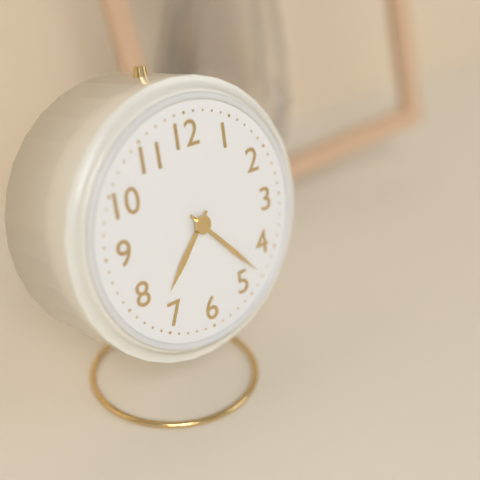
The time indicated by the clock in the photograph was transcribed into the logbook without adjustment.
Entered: 7:23
